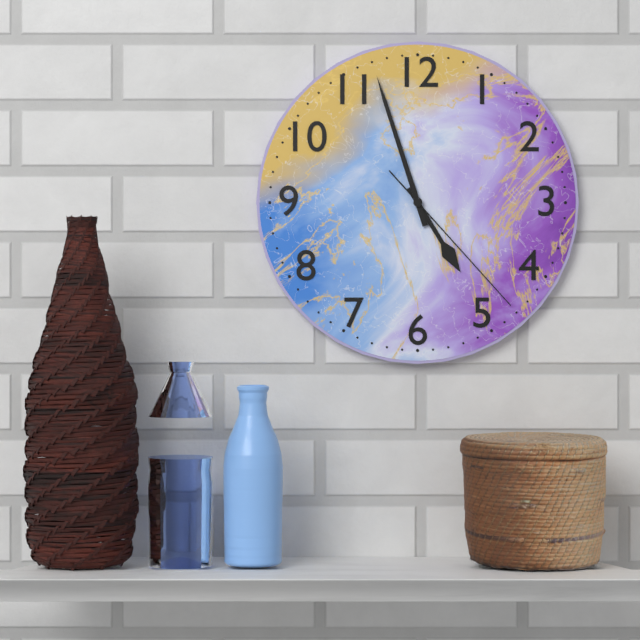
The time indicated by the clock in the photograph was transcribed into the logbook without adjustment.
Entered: 4:57:23
